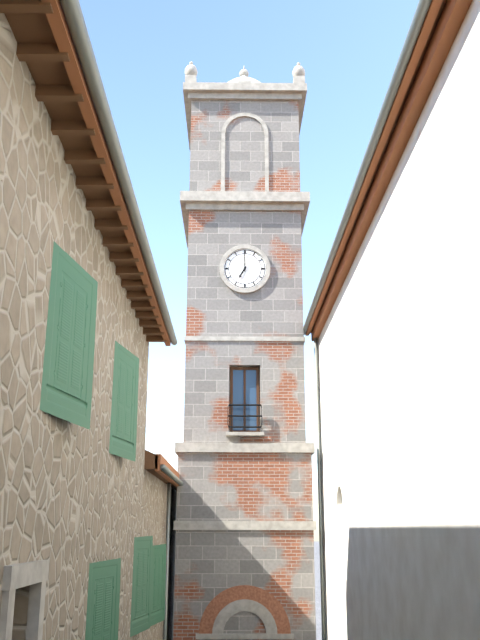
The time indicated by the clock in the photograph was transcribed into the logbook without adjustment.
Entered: 7:00
